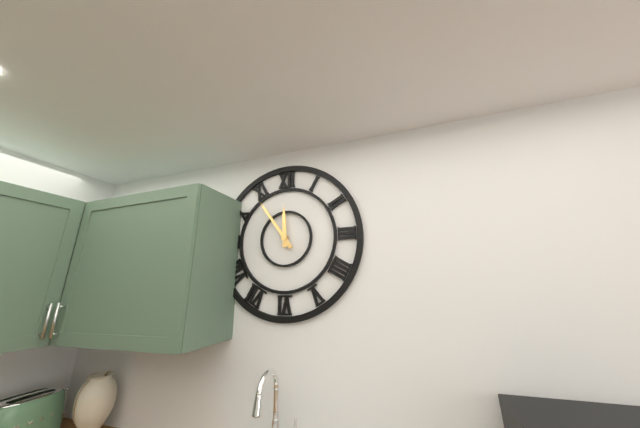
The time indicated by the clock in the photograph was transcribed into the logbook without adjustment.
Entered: 11:54
